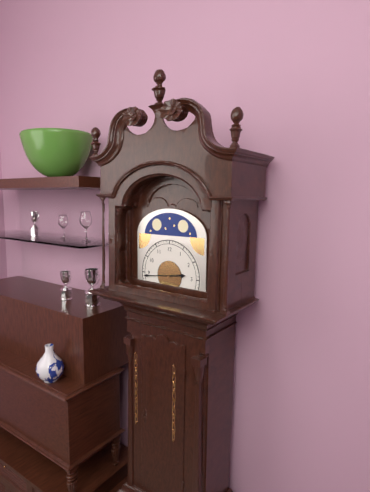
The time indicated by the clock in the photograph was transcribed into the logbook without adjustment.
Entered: 2:44
